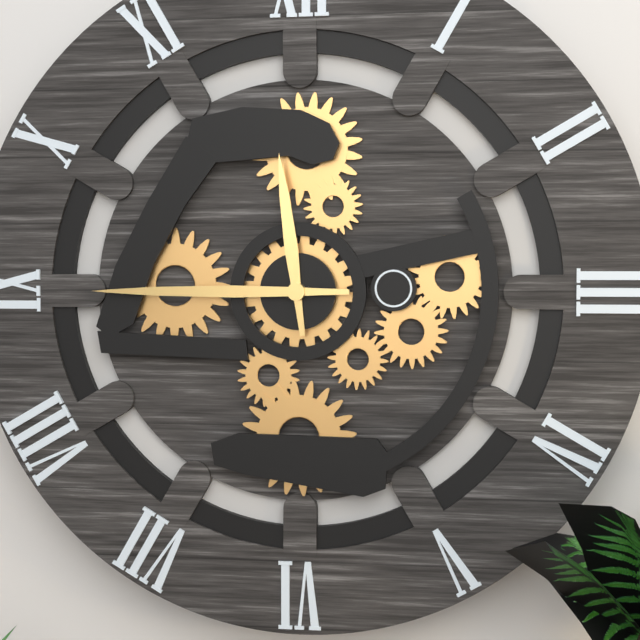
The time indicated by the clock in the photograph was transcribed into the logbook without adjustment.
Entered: 11:45
